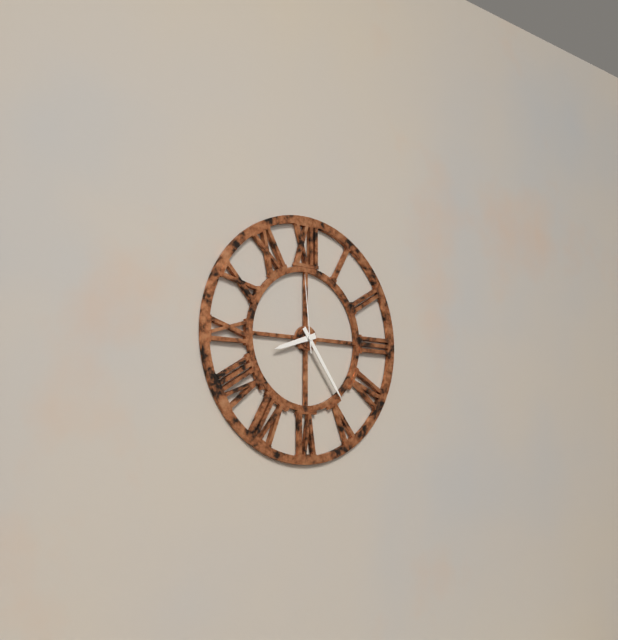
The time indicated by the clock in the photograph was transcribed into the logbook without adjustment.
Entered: 8:24:59
